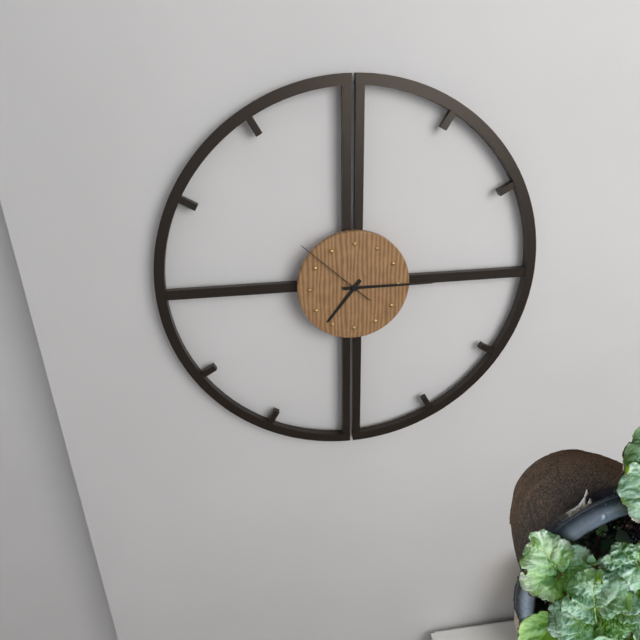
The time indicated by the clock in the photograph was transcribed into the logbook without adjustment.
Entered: 7:15:52
